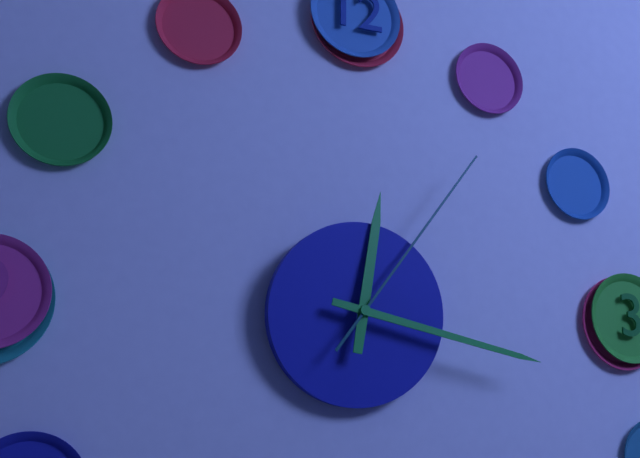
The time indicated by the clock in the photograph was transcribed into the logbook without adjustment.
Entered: 12:17:06
